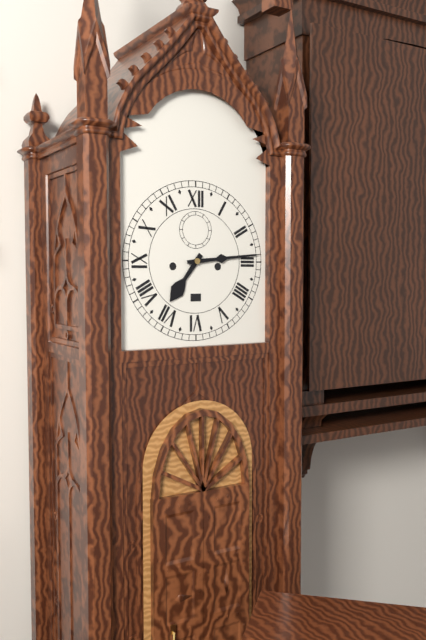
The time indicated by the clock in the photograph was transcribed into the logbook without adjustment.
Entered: 7:14
